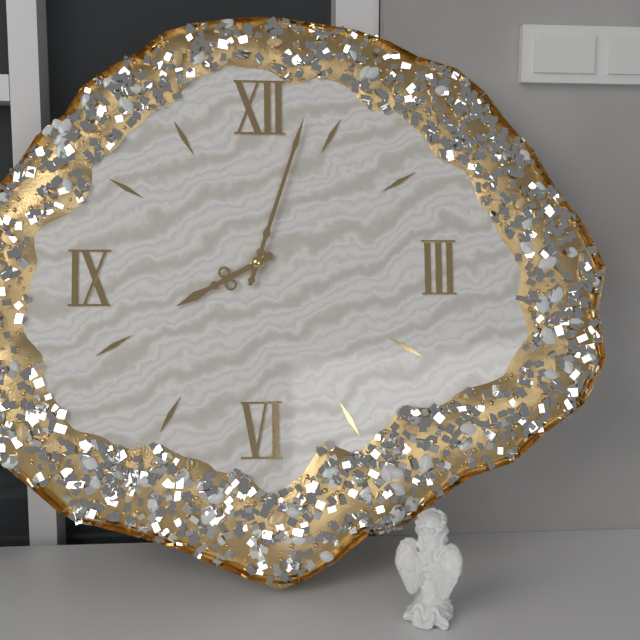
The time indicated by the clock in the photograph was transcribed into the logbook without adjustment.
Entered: 8:03
